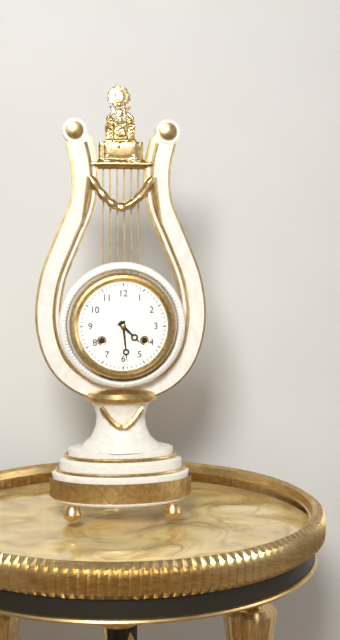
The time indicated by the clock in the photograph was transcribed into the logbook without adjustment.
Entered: 4:29
